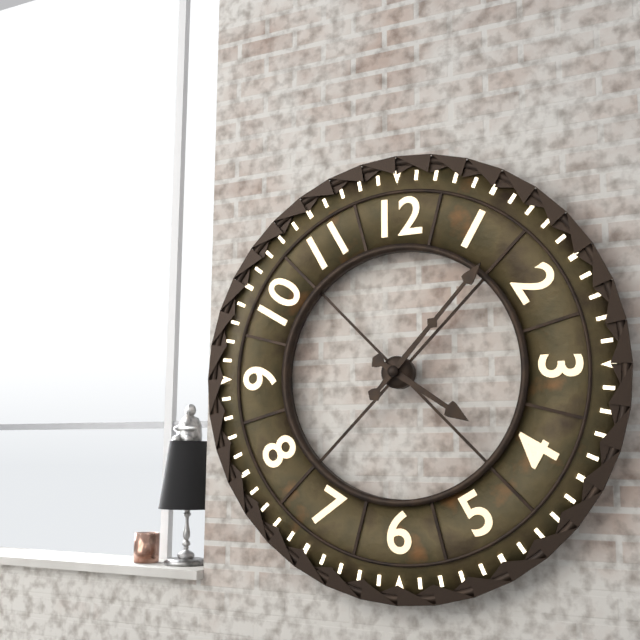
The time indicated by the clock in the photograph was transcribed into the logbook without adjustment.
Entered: 4:07
